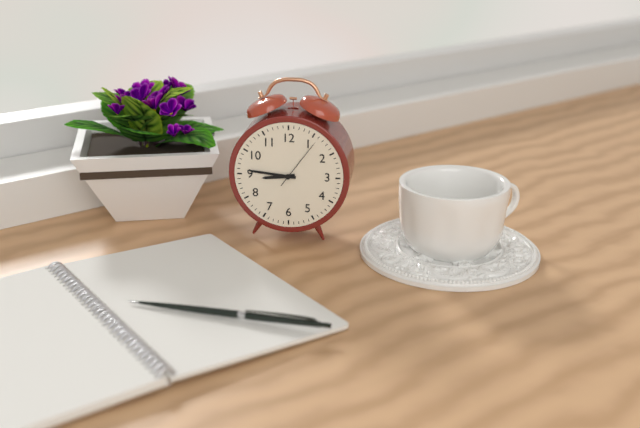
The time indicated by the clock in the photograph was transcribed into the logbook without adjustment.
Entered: 8:46:06
